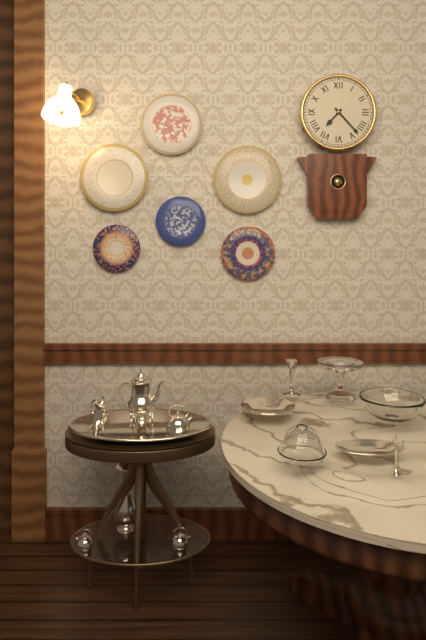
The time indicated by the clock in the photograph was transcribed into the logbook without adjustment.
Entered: 7:23
